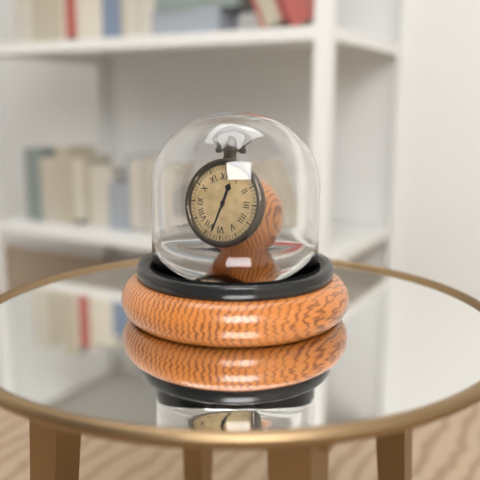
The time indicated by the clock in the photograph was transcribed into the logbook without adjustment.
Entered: 12:33
